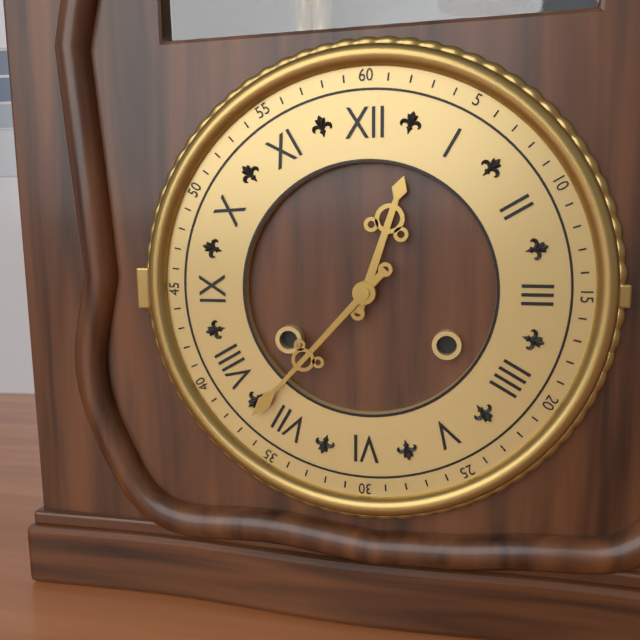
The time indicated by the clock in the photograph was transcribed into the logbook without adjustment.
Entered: 12:37
